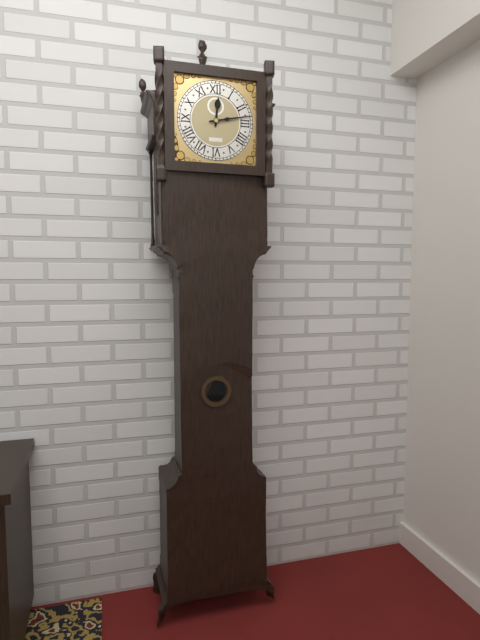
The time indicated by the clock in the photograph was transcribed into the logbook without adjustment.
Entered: 12:13
